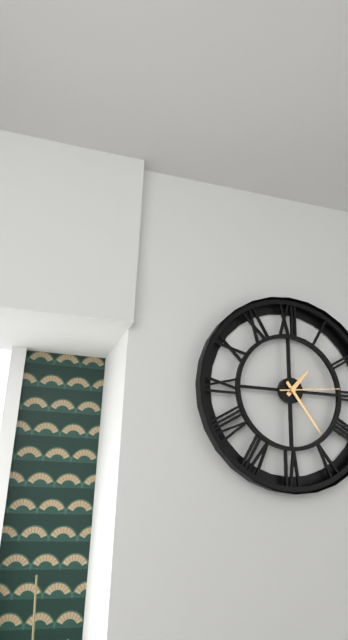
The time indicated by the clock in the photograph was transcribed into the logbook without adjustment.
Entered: 1:24:14
